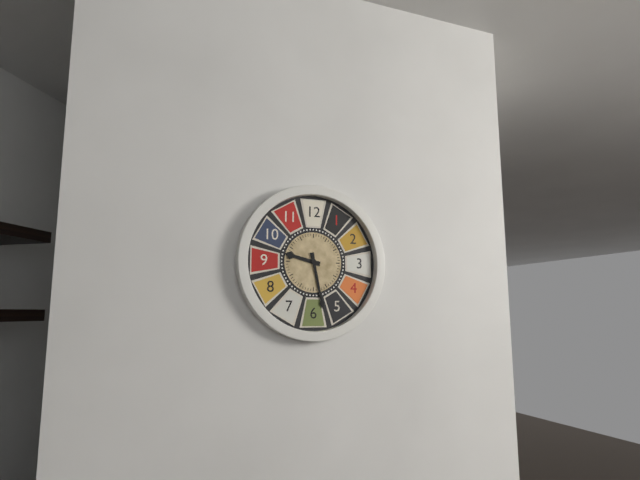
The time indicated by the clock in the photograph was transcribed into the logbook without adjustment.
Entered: 9:28
